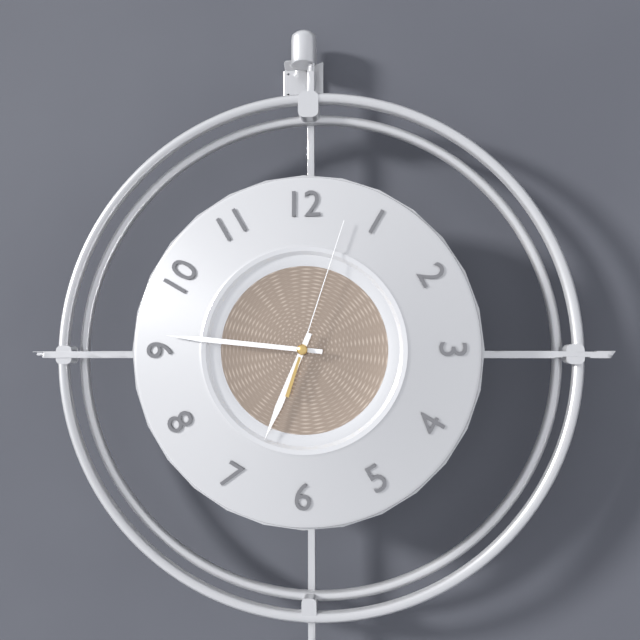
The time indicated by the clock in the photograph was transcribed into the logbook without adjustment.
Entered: 6:46:03
